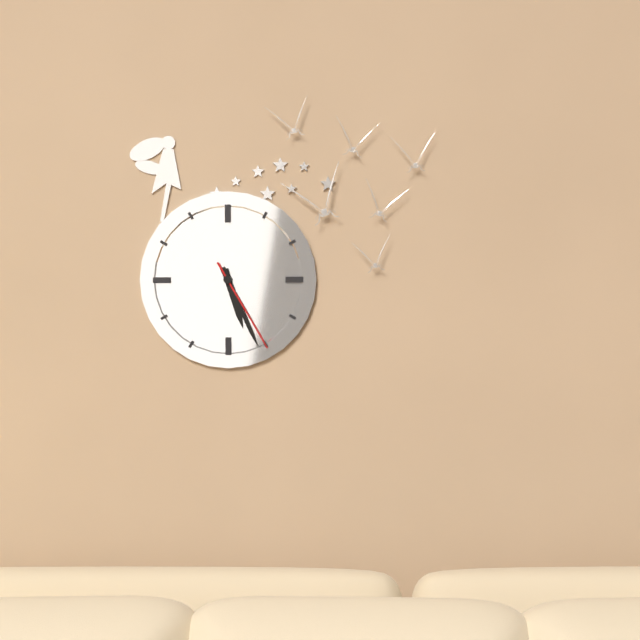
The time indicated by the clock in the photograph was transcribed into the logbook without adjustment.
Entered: 5:26:25
